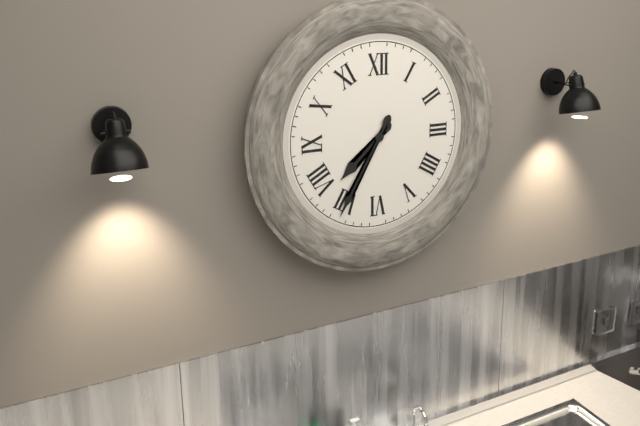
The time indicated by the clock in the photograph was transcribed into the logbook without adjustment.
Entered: 7:35
